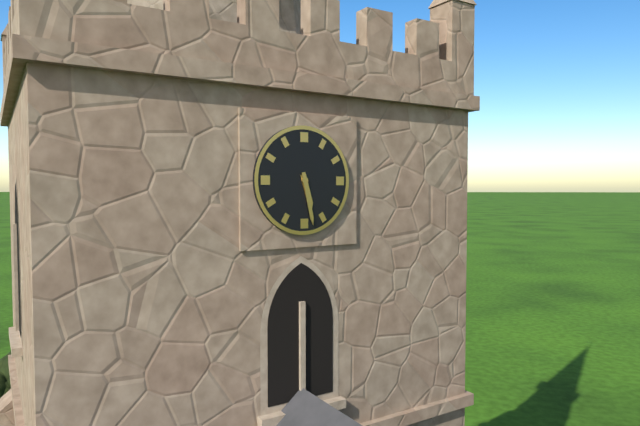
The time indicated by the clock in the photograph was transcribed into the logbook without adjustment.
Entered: 5:28
